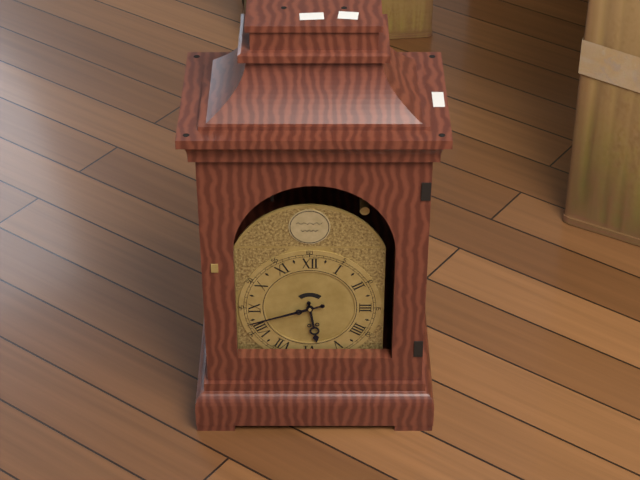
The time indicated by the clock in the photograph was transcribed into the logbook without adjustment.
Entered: 5:42
